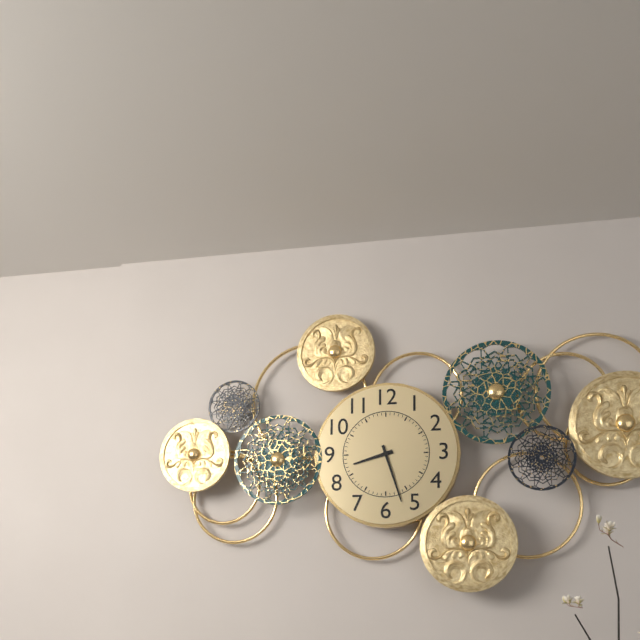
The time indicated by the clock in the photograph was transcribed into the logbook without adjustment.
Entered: 8:27
